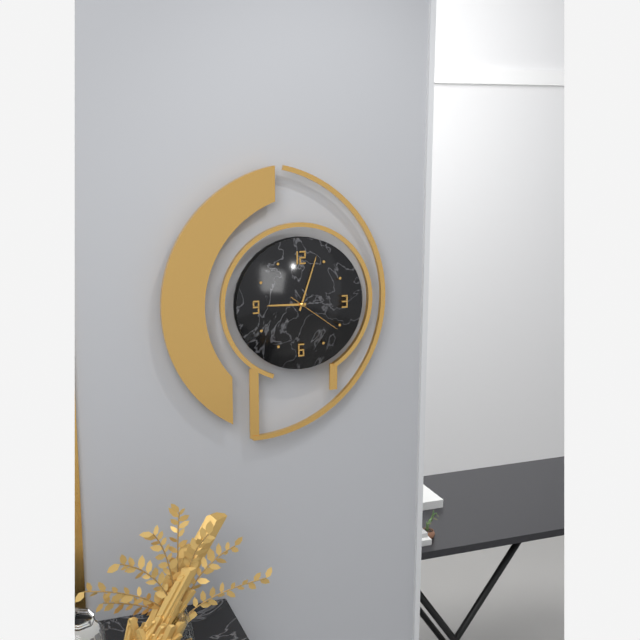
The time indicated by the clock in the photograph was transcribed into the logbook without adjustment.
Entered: 9:03:21
